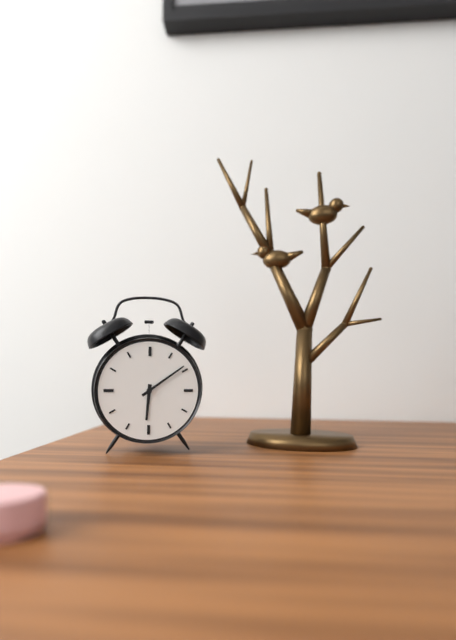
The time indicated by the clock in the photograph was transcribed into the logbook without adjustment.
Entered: 6:09
